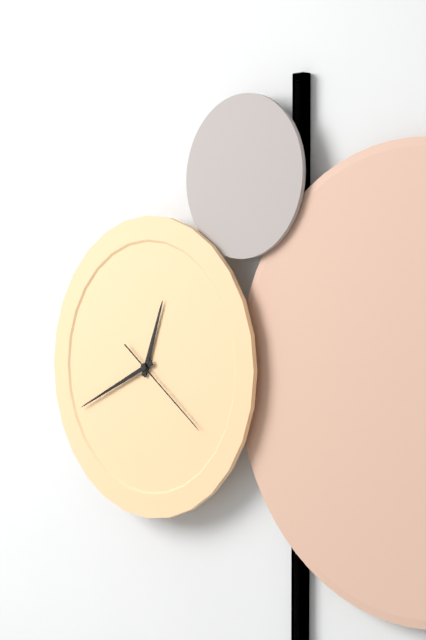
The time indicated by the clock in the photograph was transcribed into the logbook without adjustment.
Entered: 12:41:21
